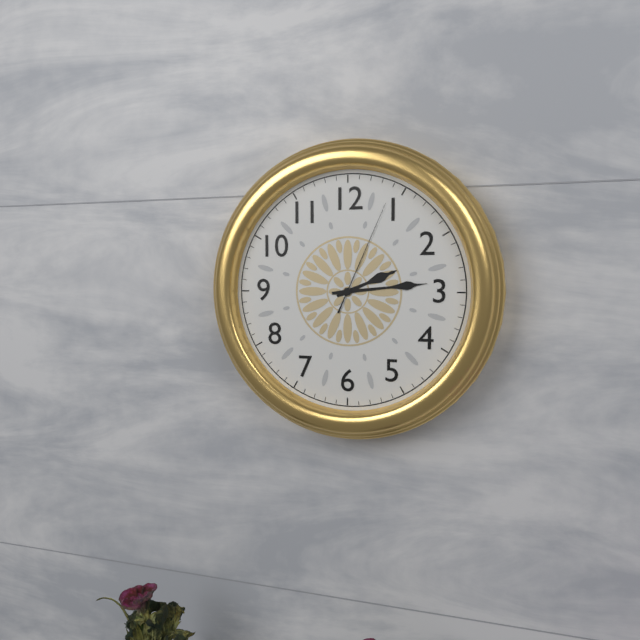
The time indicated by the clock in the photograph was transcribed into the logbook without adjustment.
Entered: 2:14:04
